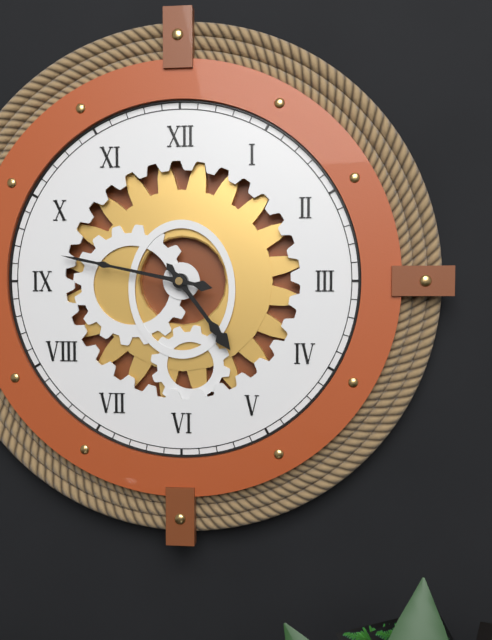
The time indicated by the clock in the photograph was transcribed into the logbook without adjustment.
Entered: 4:47
